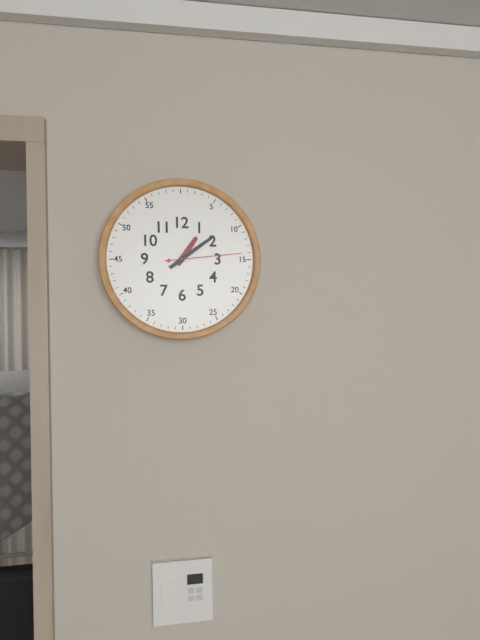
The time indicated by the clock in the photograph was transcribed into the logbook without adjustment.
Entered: 1:09:14
